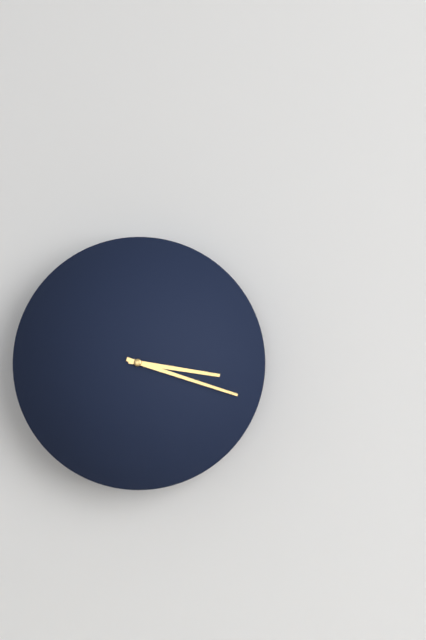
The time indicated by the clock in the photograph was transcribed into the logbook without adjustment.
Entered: 3:18
